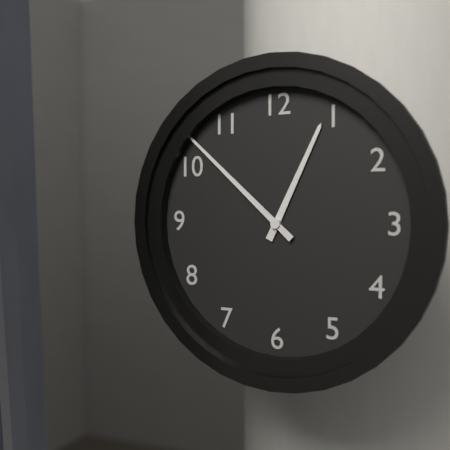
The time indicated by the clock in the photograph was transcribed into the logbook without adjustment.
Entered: 12:52
